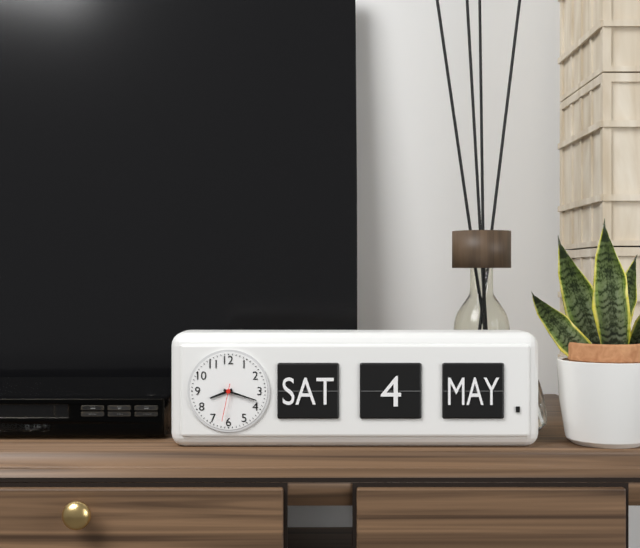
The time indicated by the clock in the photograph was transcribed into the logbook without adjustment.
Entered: 8:18
